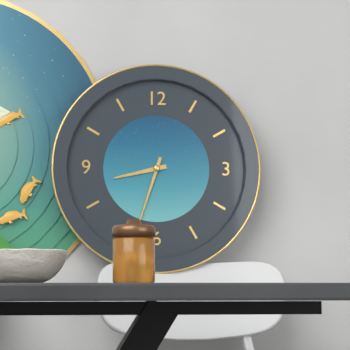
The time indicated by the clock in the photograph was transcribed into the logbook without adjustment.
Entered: 8:33
